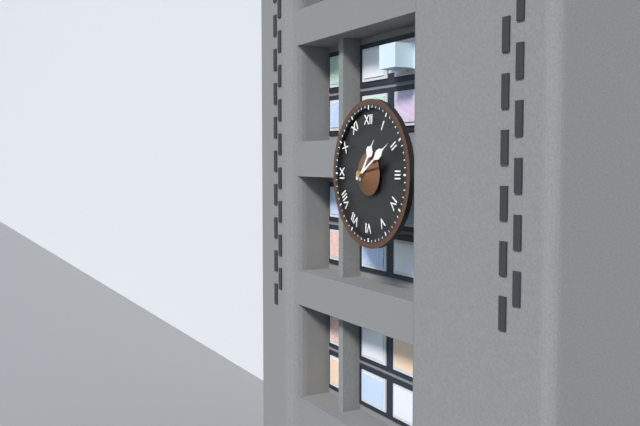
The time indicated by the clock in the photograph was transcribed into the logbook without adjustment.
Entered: 1:10
